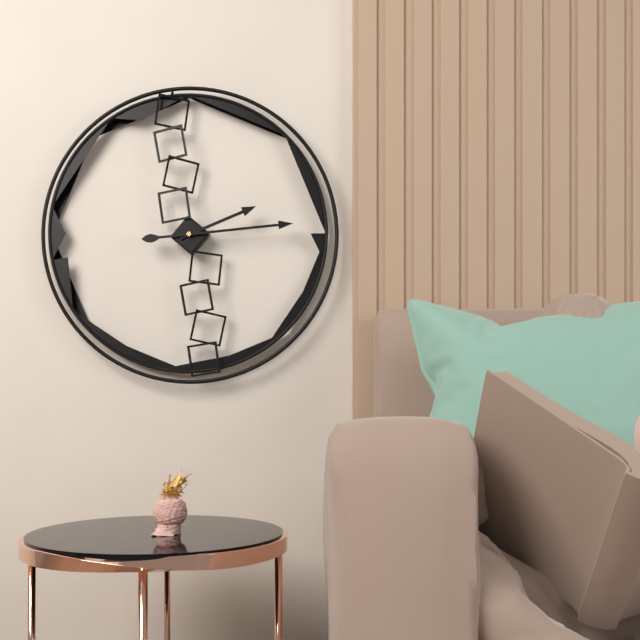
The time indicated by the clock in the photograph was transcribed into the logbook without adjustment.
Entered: 2:14
